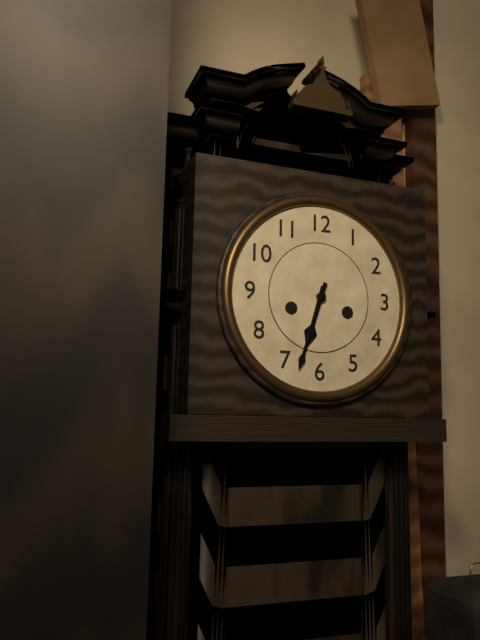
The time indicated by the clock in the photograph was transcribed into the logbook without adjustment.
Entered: 6:33
